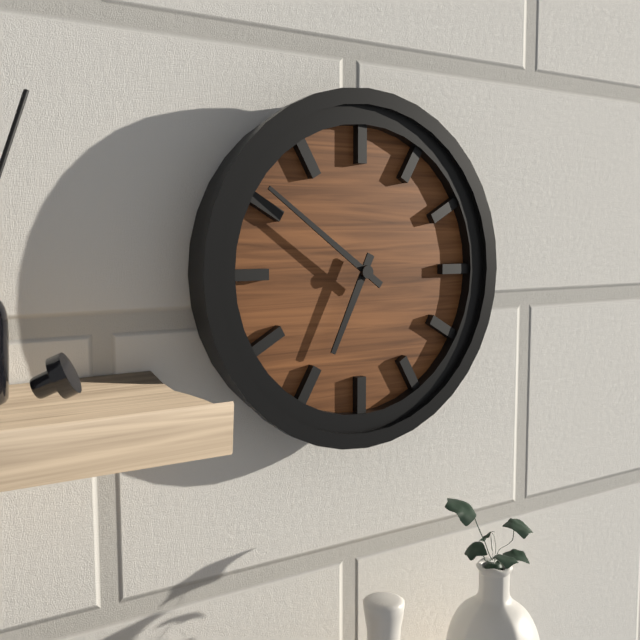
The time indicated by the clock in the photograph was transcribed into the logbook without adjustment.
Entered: 6:51
